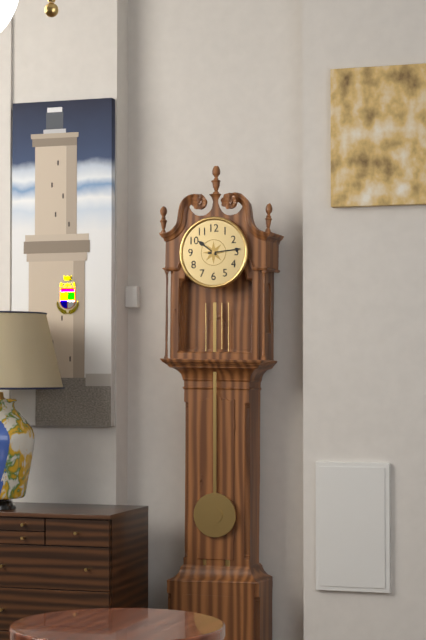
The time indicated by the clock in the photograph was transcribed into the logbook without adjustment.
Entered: 10:14
